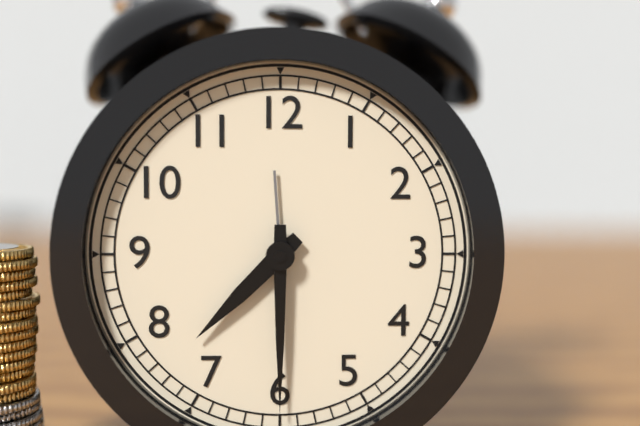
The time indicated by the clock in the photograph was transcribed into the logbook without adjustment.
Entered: 7:30
